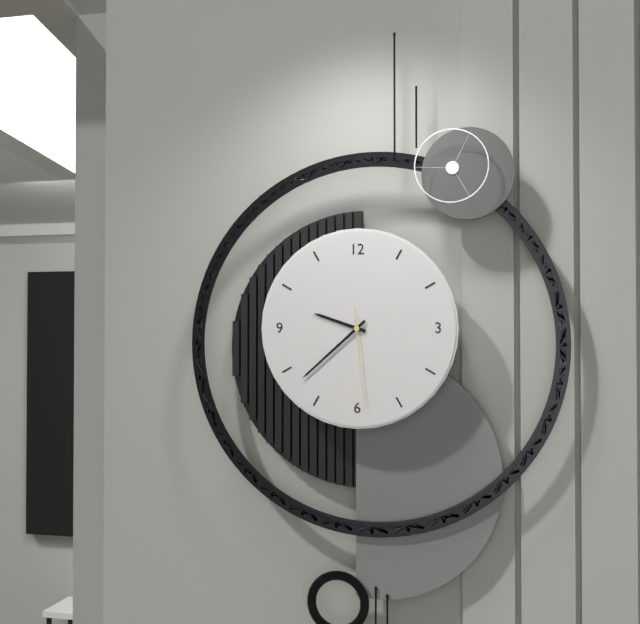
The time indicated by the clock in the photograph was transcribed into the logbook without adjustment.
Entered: 9:38:29
